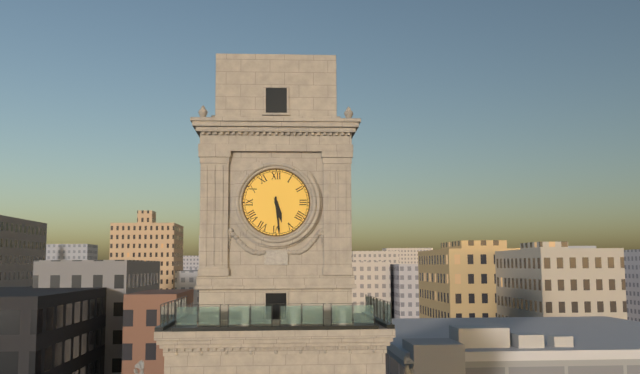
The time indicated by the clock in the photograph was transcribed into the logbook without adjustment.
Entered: 5:29
